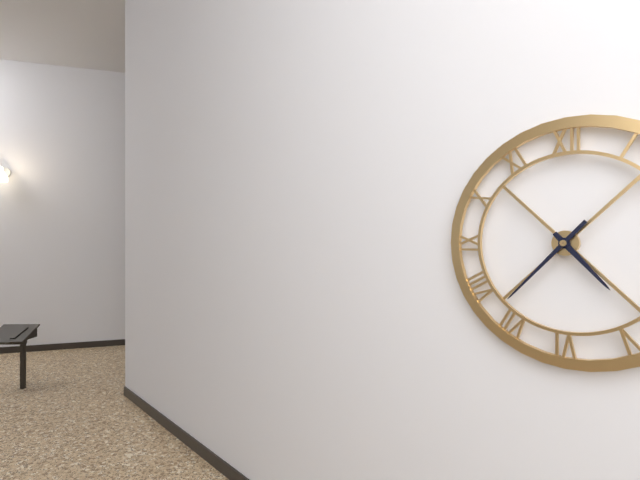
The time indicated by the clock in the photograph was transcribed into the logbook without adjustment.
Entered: 4:37
